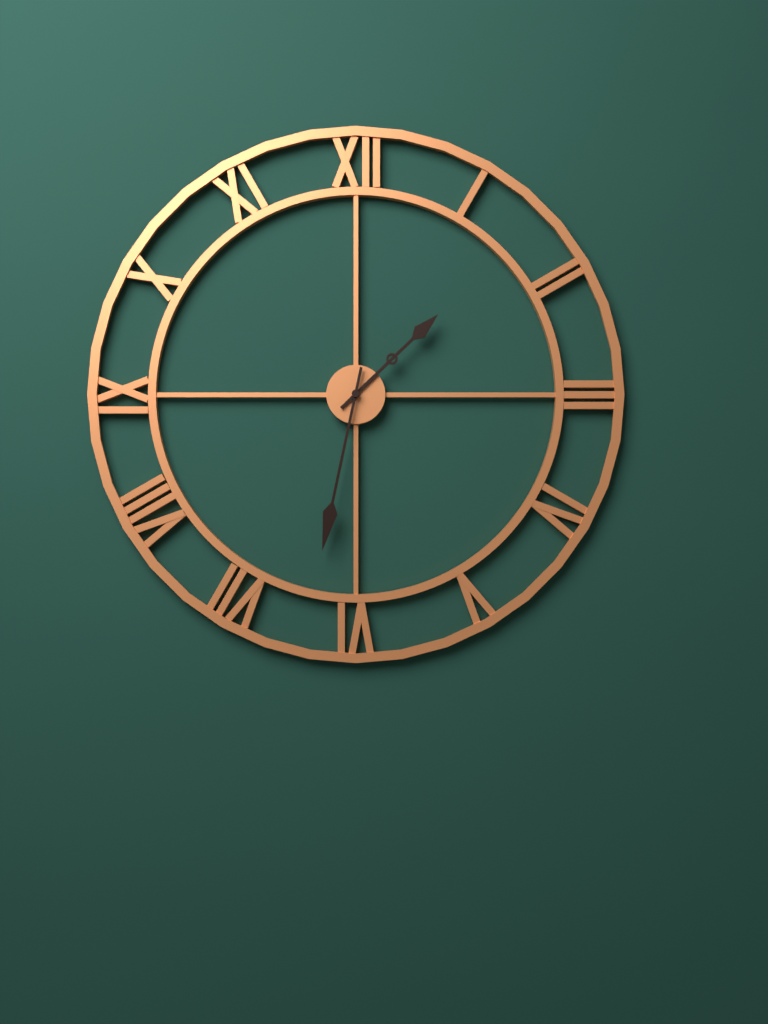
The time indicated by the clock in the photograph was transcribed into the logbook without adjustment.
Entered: 1:32
